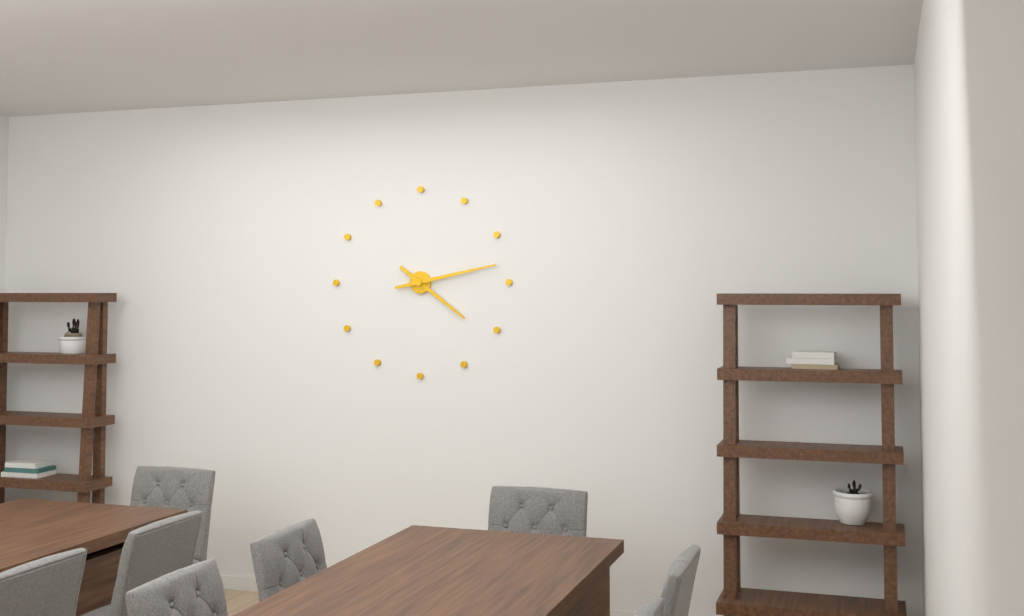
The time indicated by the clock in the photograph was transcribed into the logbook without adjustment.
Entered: 4:13
